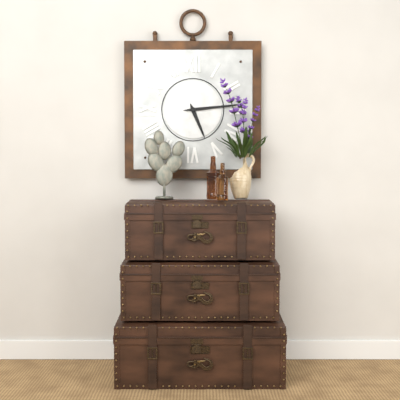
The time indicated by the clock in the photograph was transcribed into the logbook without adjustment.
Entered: 5:14
